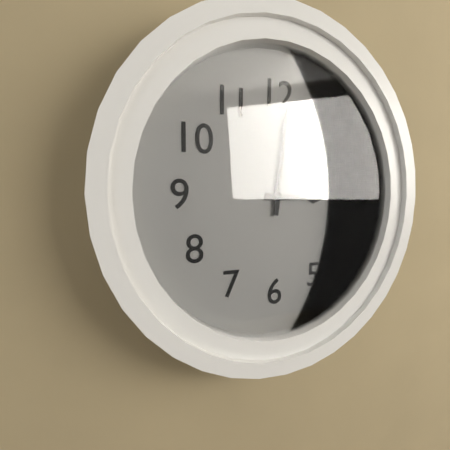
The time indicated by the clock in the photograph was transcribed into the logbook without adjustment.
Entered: 3:01
